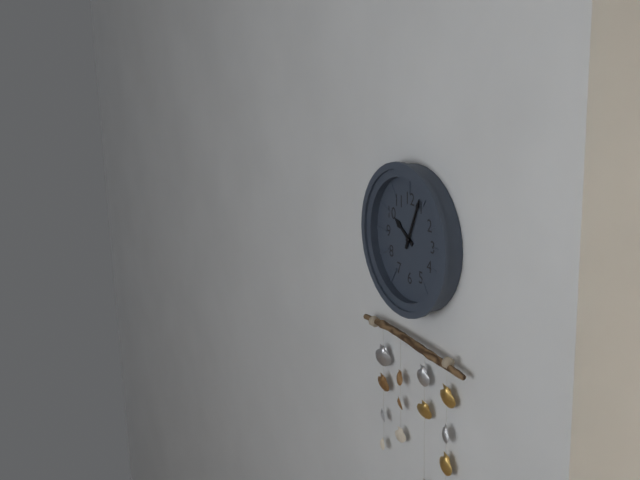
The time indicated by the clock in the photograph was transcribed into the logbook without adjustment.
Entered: 10:04
